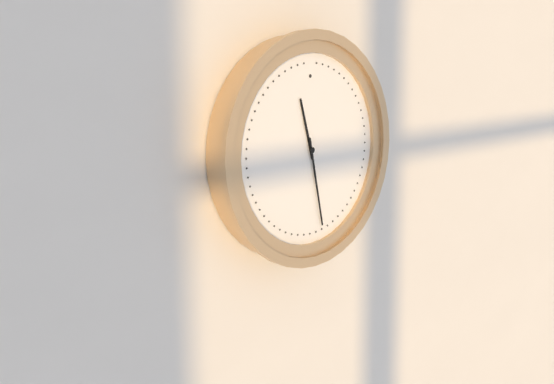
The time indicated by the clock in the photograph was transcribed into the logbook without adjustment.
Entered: 11:28
